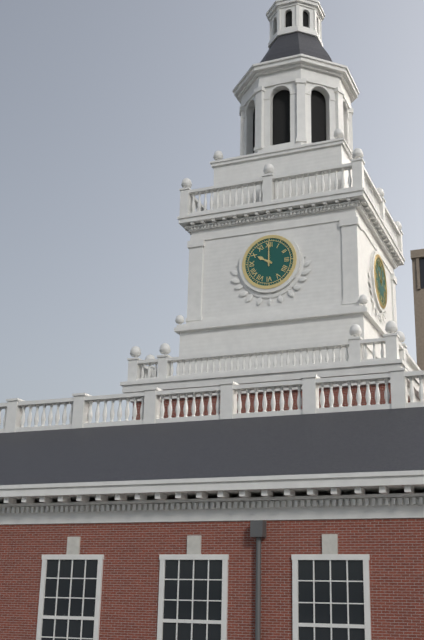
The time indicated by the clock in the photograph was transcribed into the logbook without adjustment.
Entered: 10:00
